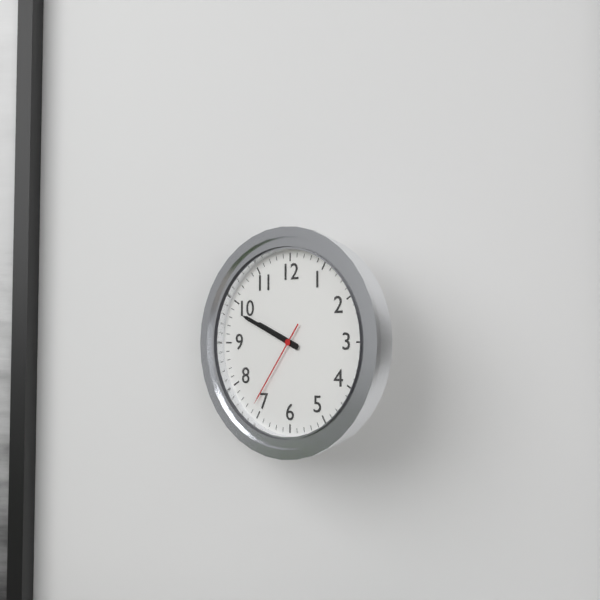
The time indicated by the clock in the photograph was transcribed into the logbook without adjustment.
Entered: 9:49:36
